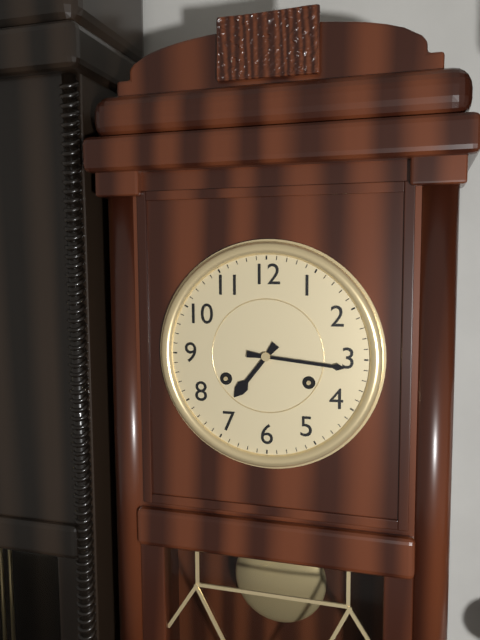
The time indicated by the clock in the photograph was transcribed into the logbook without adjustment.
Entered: 7:16
